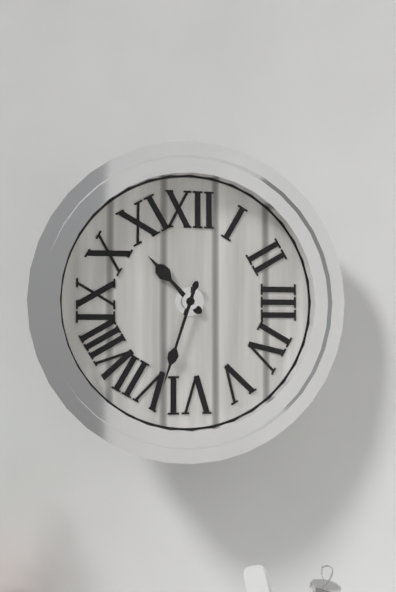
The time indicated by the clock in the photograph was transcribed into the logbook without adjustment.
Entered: 10:33
